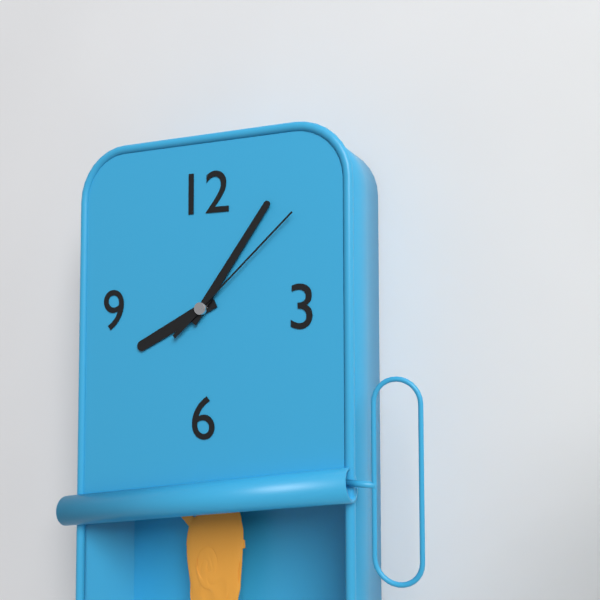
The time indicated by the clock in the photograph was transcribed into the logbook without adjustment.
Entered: 8:06:08
